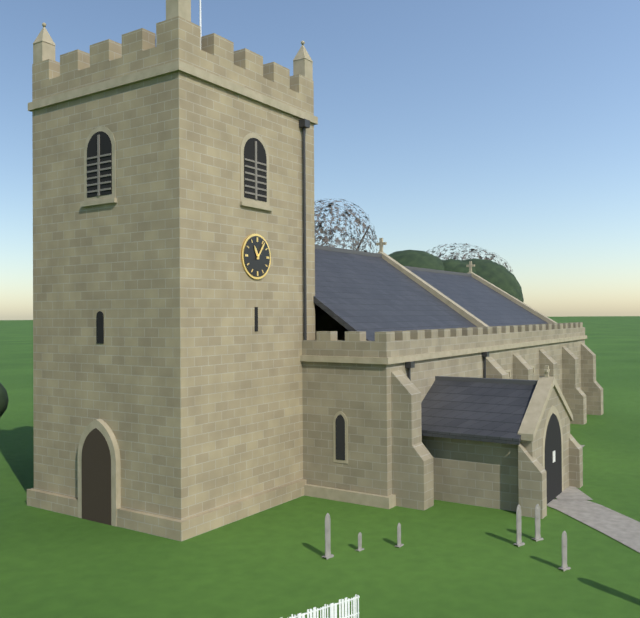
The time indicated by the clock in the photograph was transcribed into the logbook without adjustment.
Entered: 11:06
